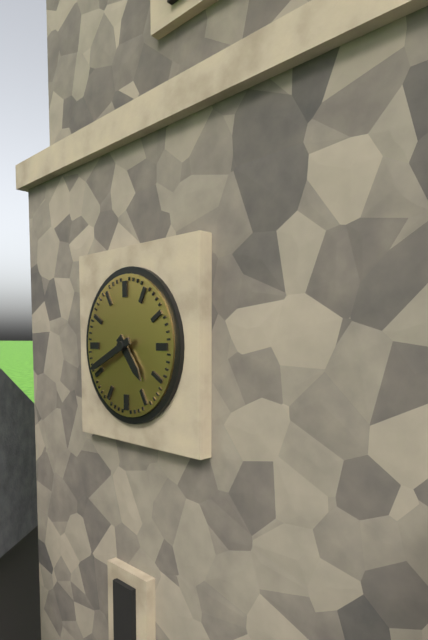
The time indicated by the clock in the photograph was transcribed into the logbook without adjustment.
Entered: 4:41
